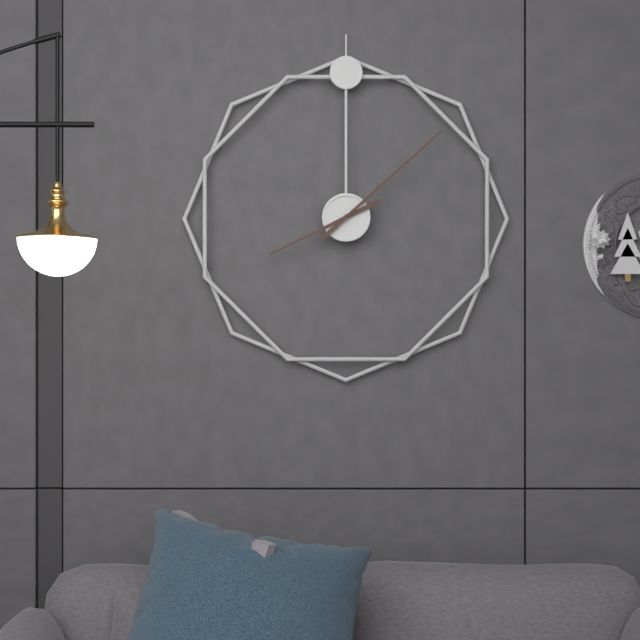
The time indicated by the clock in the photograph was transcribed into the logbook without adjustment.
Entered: 8:08
